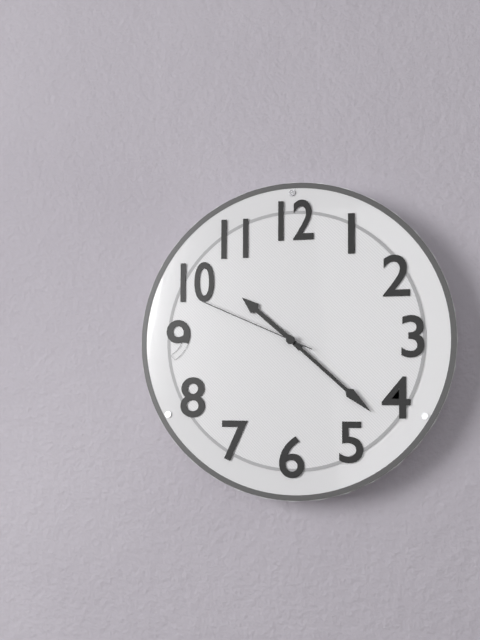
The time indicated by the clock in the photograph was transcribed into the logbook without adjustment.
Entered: 10:22:49
